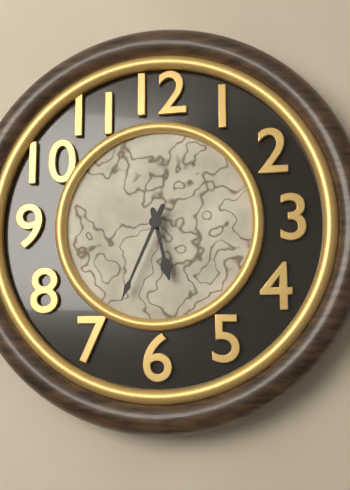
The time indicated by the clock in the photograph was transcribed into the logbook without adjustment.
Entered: 5:34
